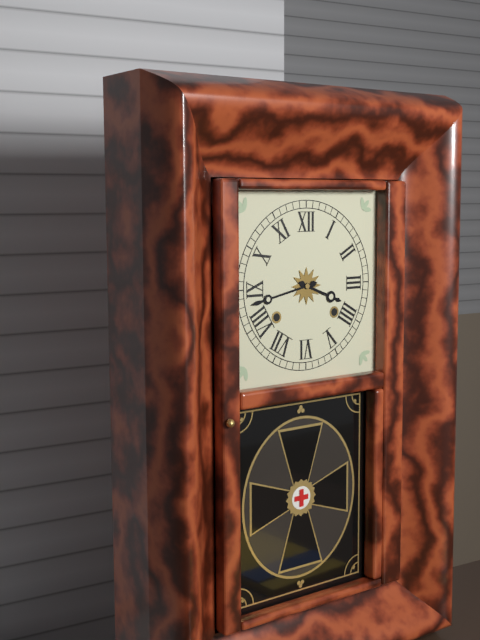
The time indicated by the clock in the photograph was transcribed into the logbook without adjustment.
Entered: 3:43
